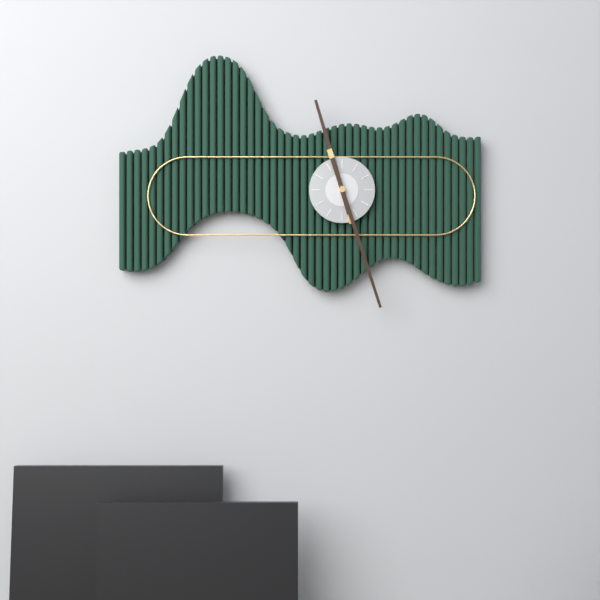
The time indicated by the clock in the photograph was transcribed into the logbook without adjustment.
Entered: 11:27
